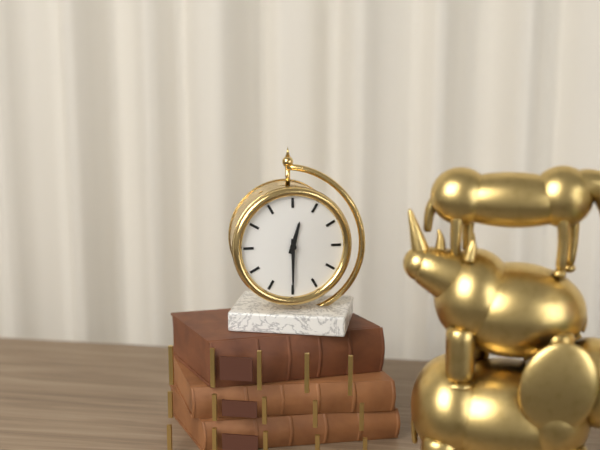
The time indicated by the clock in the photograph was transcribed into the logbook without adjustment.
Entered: 12:30
